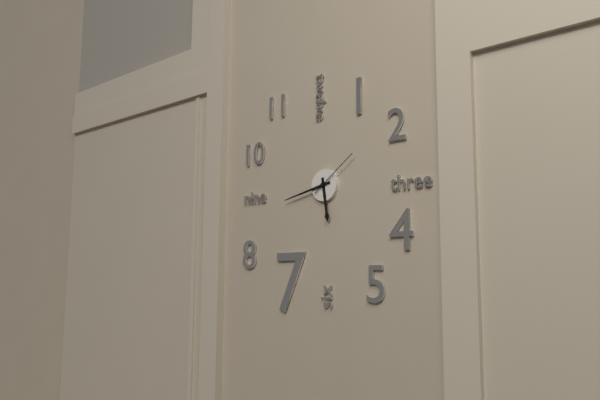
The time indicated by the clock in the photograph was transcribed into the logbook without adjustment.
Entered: 5:43:09
